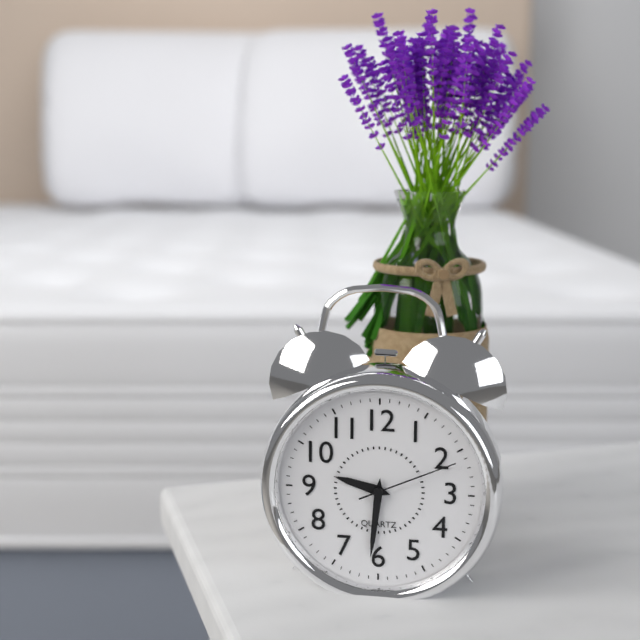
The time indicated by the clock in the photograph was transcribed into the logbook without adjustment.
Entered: 9:31:11
